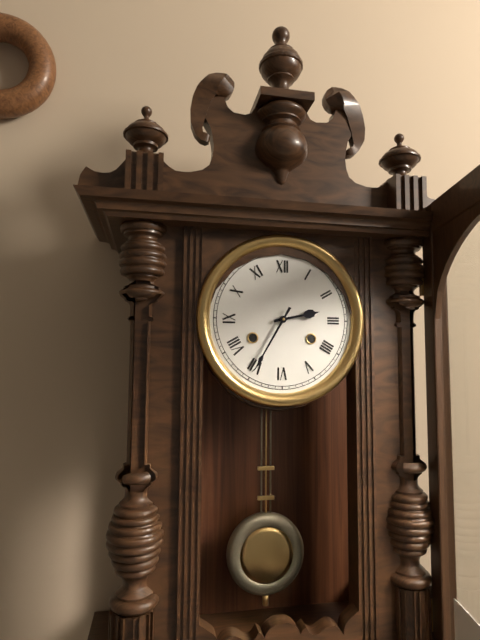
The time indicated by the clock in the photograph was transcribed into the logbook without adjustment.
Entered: 2:35
